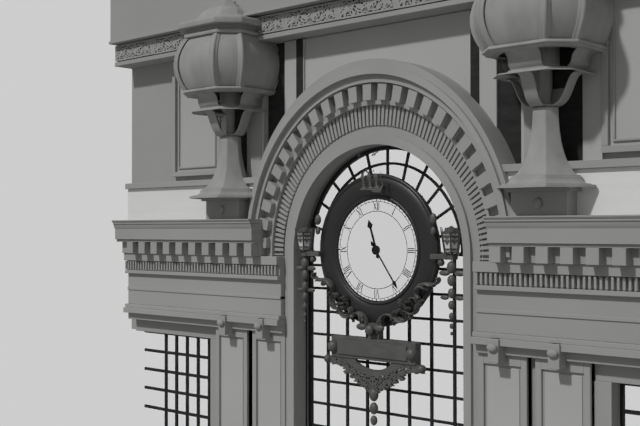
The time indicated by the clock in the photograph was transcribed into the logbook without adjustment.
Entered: 11:24
